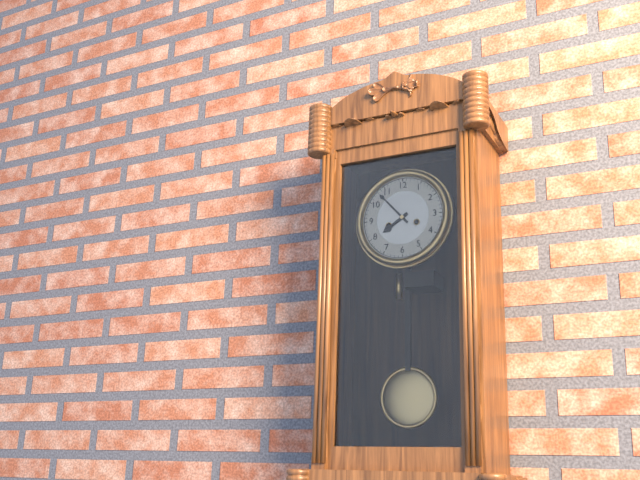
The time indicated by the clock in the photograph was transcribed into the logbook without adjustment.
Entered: 7:53
